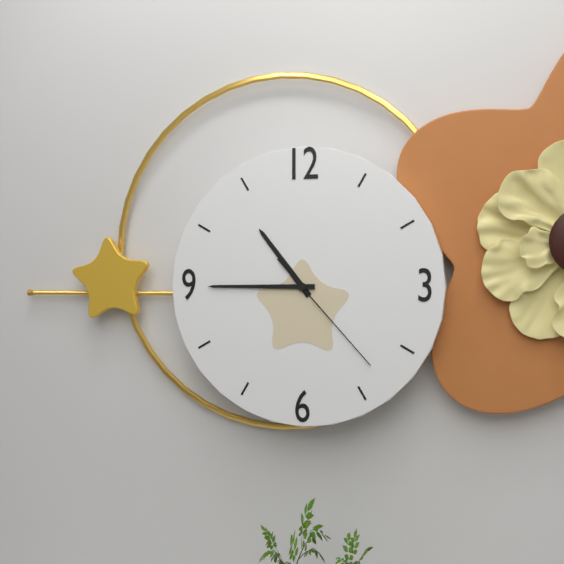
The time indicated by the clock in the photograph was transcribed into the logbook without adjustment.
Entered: 10:45:23
